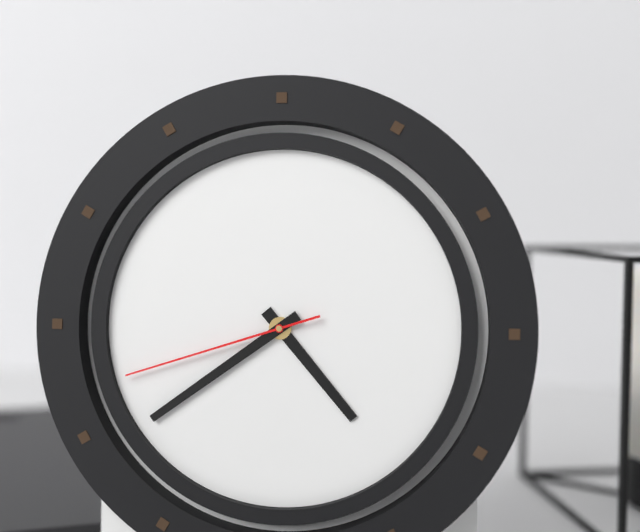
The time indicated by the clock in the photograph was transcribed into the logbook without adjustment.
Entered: 4:39:42
